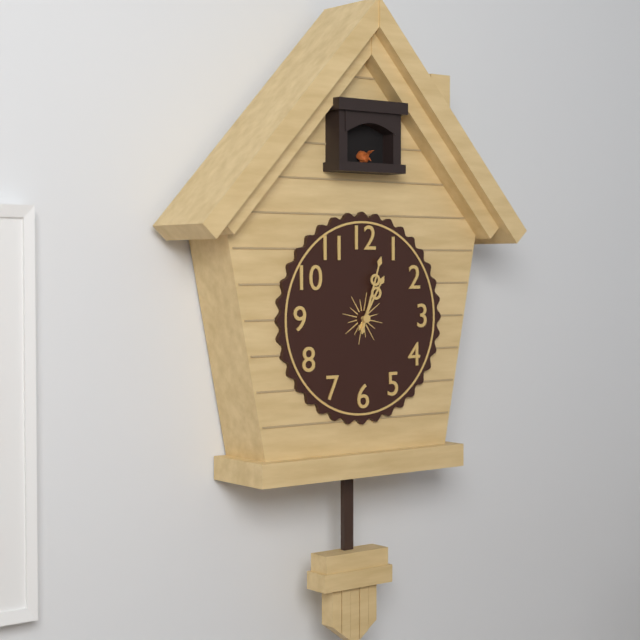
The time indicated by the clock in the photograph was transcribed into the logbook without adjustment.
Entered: 1:03
